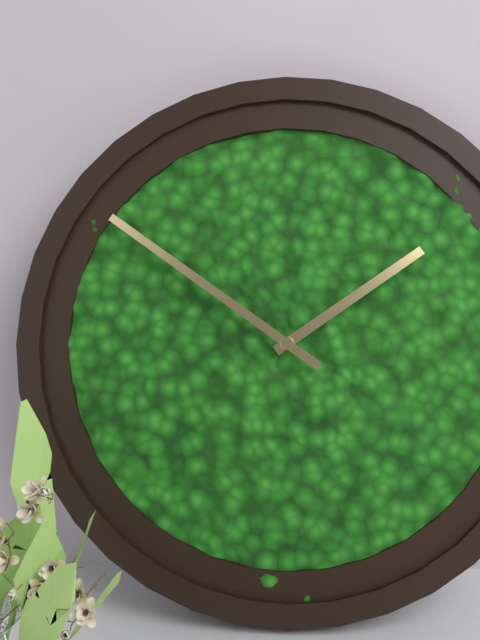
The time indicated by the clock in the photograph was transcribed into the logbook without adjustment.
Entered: 1:51
